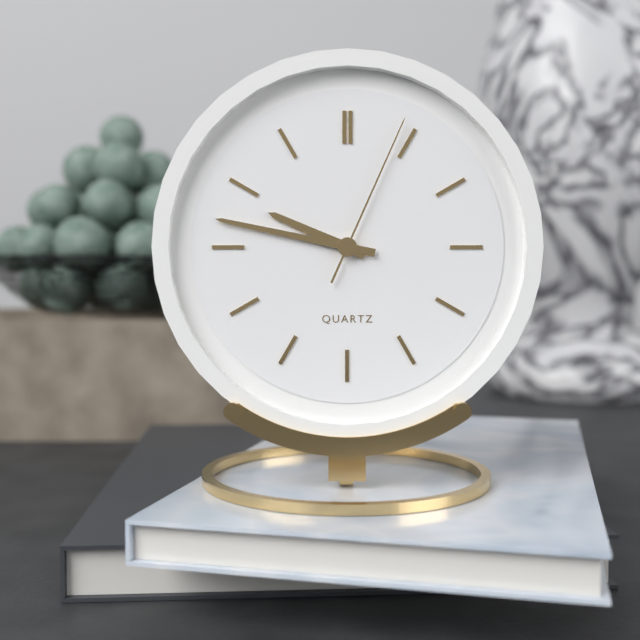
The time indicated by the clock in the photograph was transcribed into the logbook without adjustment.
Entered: 9:47:04
